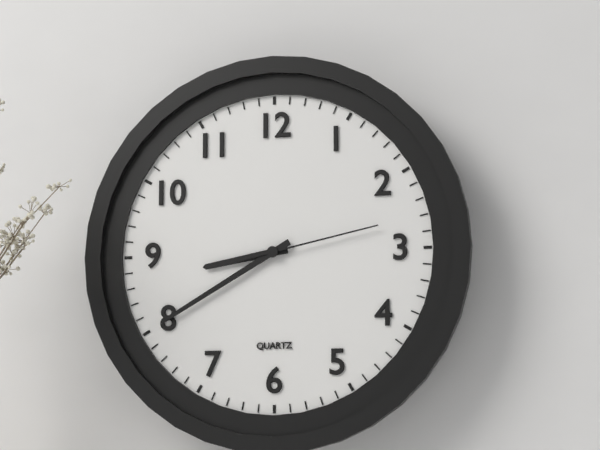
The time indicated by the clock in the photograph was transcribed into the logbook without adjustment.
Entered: 8:40:13
